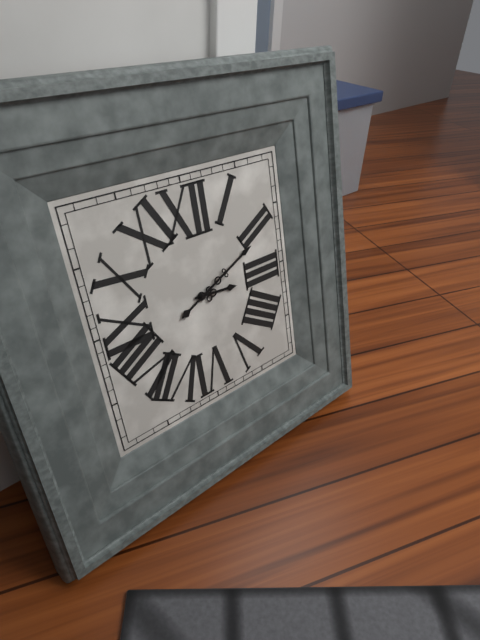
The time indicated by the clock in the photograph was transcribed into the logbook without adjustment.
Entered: 3:11
